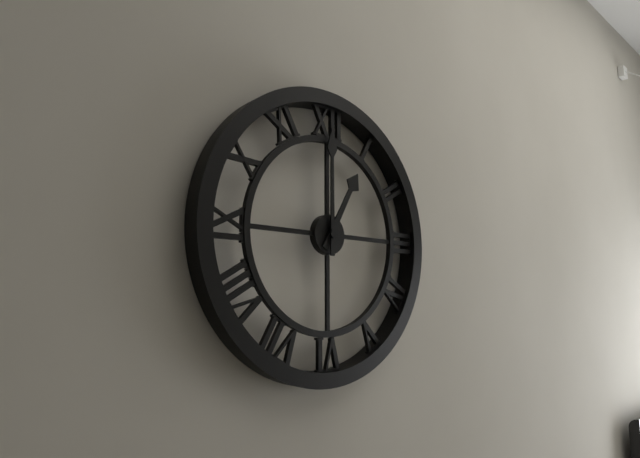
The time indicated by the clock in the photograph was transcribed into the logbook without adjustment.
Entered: 1:00
